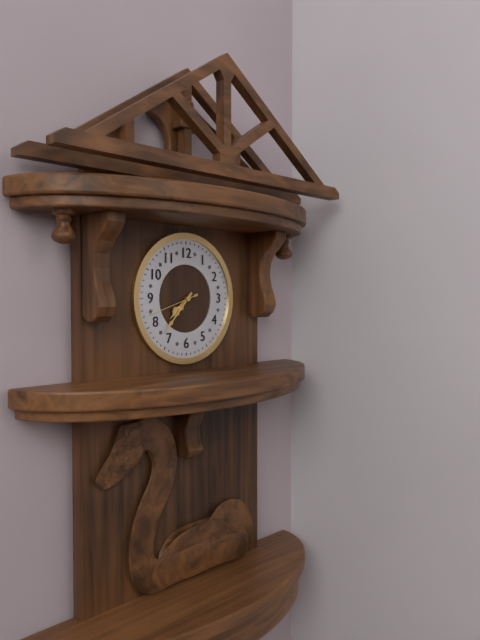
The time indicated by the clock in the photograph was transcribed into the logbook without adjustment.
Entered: 7:37
